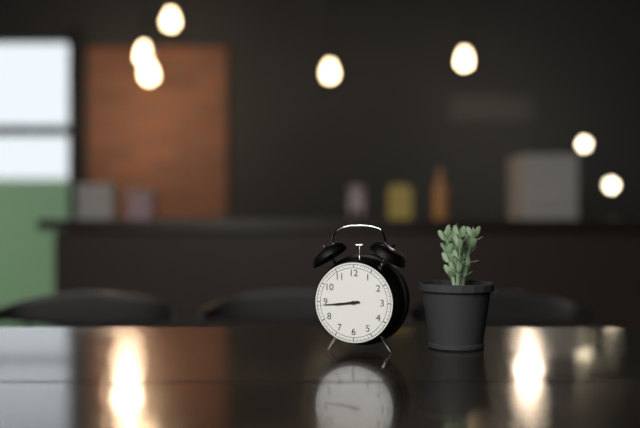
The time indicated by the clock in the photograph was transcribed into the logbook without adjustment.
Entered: 8:44
